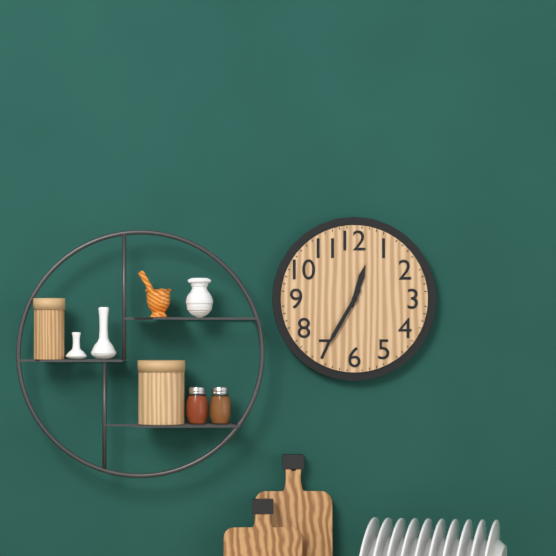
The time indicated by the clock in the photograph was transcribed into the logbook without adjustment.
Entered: 12:35
